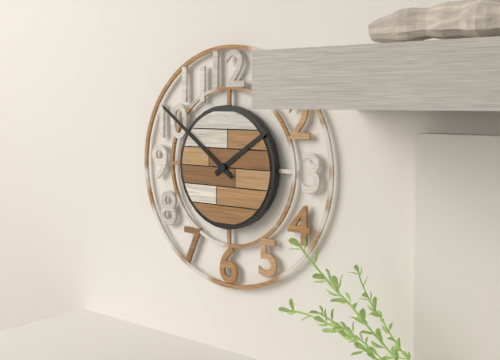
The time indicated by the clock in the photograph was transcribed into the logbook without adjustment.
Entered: 1:51
